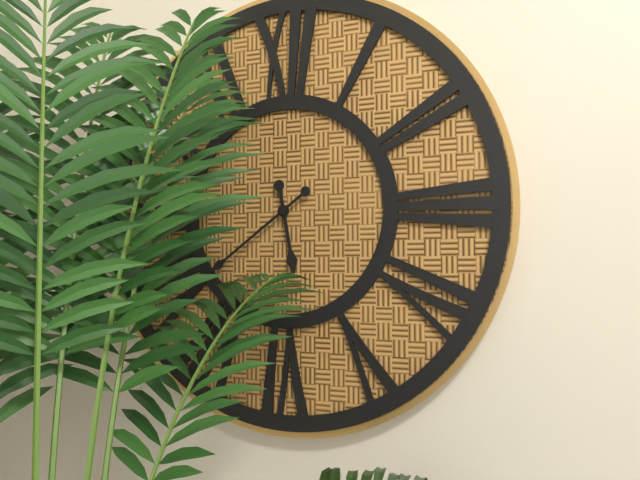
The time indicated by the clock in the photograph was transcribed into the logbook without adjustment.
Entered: 5:39
